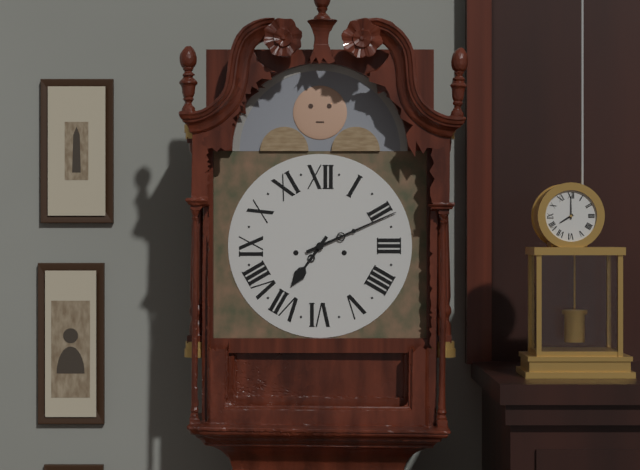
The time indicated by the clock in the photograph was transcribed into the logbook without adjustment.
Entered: 7:11
